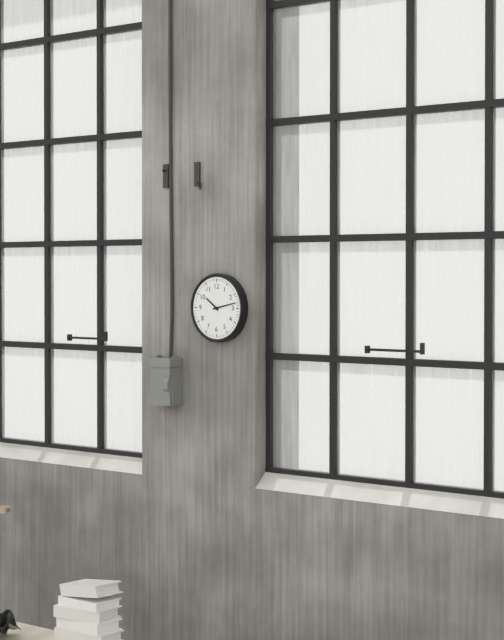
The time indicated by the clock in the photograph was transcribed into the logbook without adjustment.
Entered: 10:13
